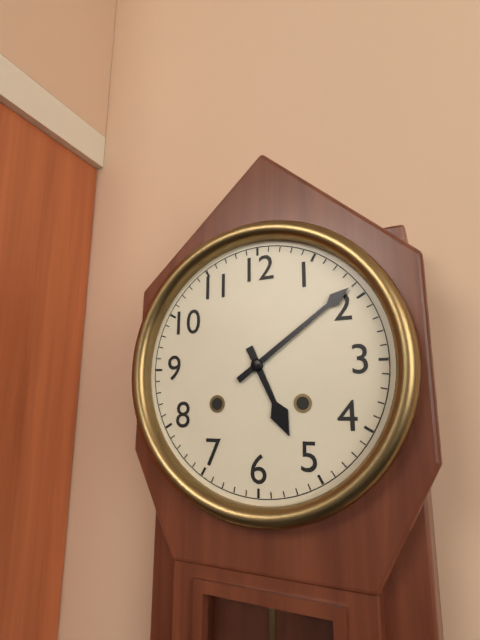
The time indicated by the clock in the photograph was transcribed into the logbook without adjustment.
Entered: 5:09
